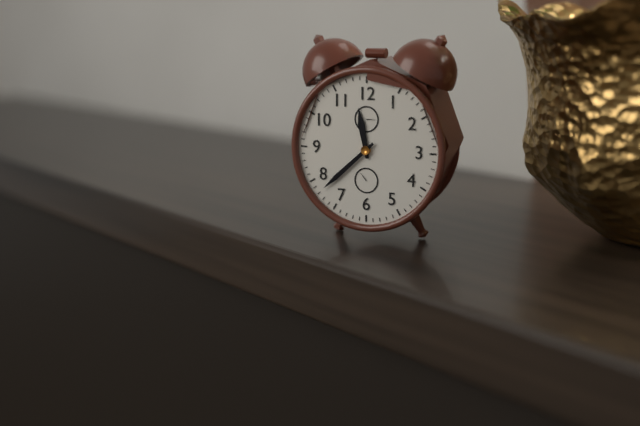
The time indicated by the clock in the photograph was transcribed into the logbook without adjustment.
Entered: 11:38
